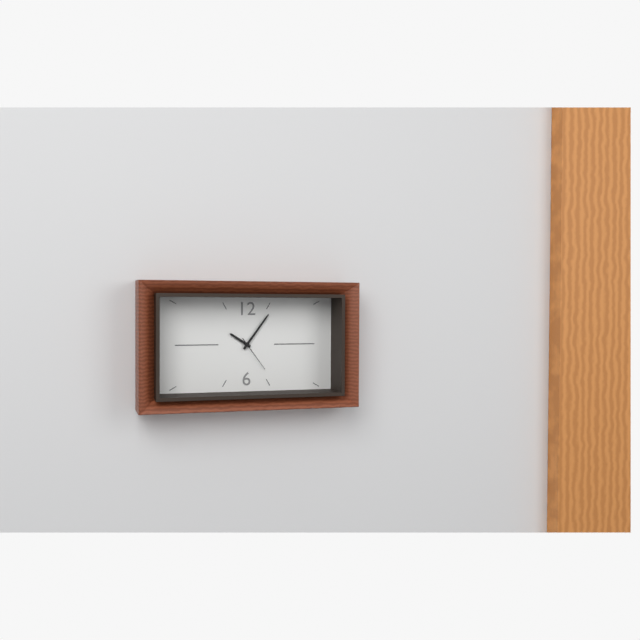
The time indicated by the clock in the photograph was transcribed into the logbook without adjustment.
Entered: 10:06
